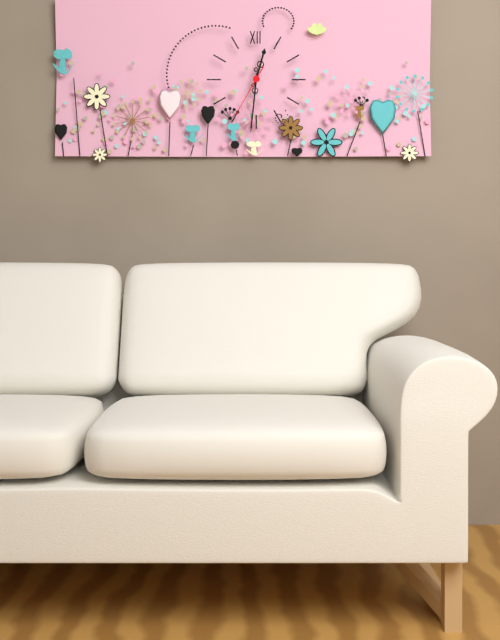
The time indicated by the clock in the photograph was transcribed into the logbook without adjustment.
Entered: 12:31:35
